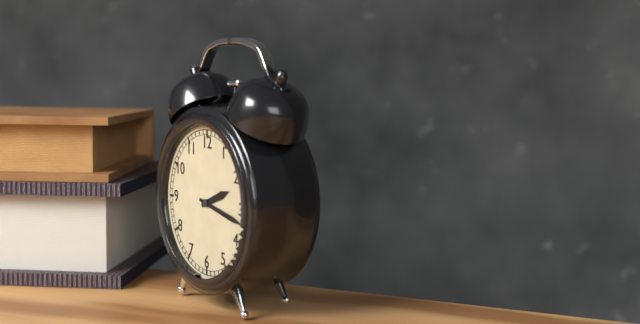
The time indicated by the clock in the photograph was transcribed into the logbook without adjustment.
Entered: 2:17
